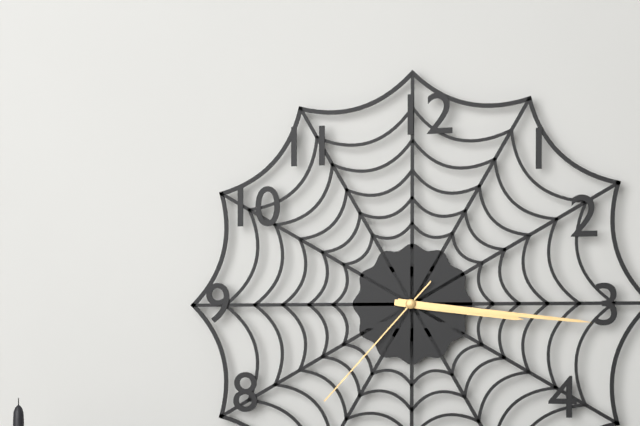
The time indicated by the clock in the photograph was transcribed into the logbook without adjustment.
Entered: 3:16:37
